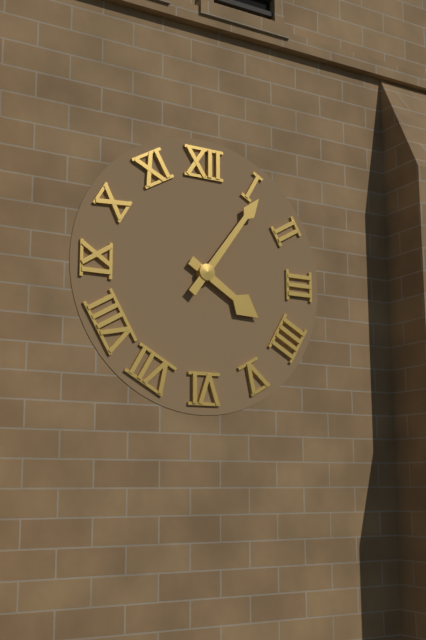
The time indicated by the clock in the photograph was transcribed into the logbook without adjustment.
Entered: 4:06
